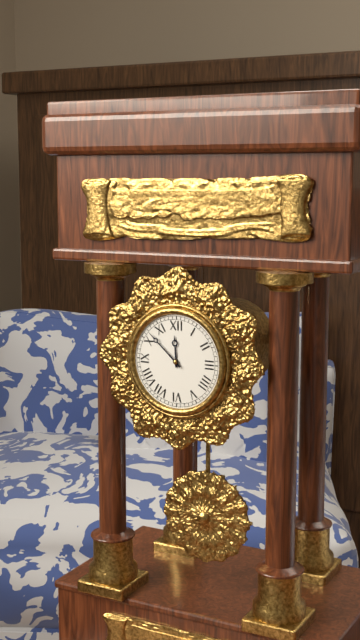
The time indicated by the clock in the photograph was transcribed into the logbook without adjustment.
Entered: 11:52
